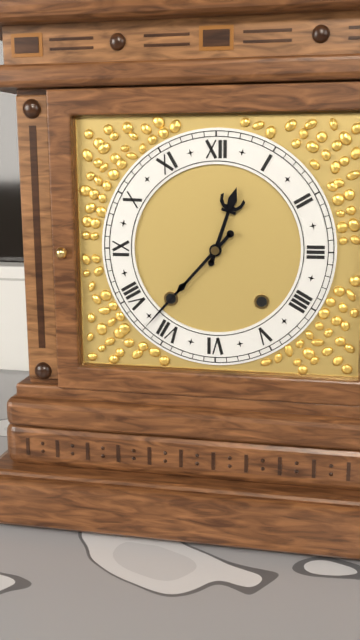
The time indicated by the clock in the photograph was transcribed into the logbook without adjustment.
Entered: 12:37
